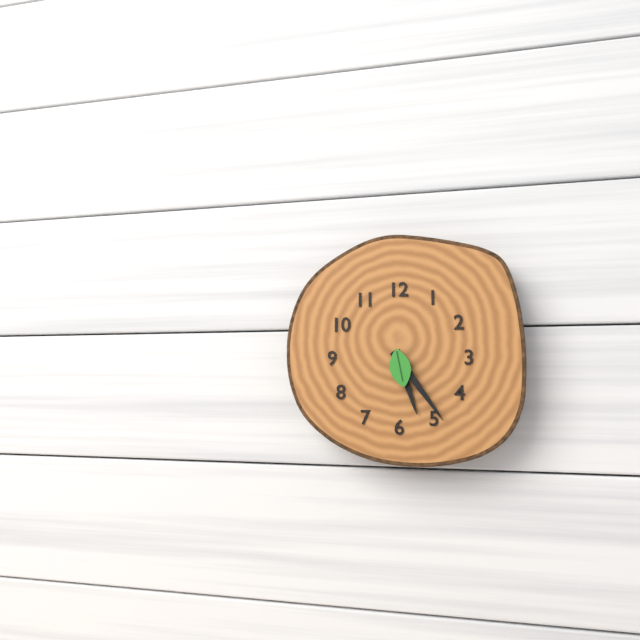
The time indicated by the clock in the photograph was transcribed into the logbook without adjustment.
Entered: 5:24
